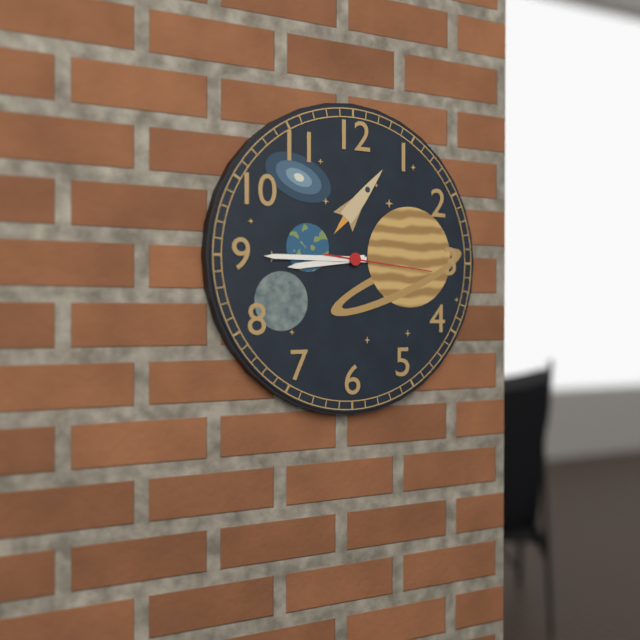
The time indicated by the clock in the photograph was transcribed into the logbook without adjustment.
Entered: 8:45:16
